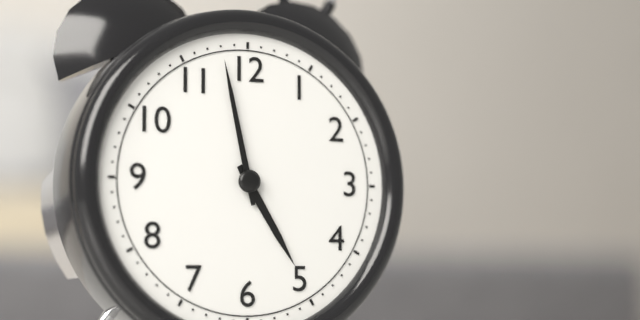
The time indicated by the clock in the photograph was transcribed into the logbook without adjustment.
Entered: 4:58
